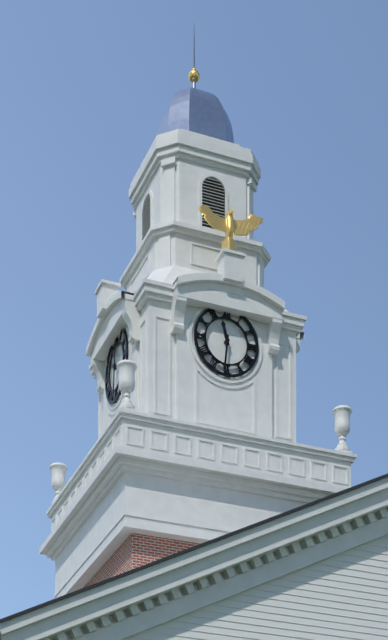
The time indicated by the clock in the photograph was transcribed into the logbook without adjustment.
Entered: 11:31
